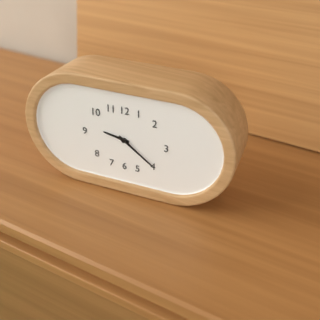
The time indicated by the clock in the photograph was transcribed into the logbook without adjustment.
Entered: 9:21
